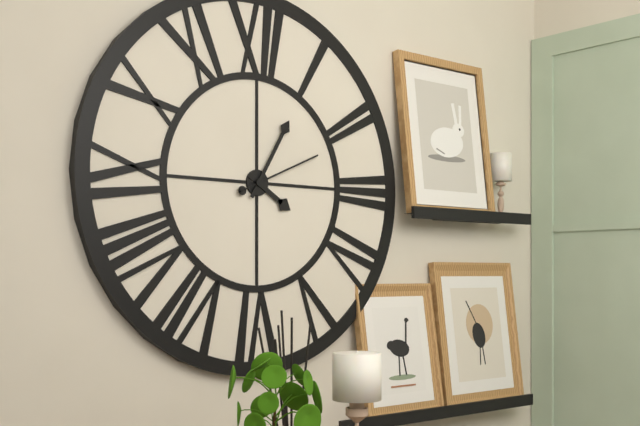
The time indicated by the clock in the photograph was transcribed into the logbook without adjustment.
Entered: 4:05:11
